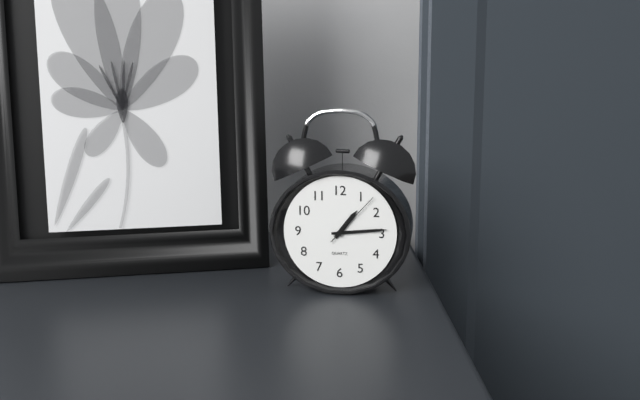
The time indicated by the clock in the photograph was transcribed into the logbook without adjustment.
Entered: 1:14:07
